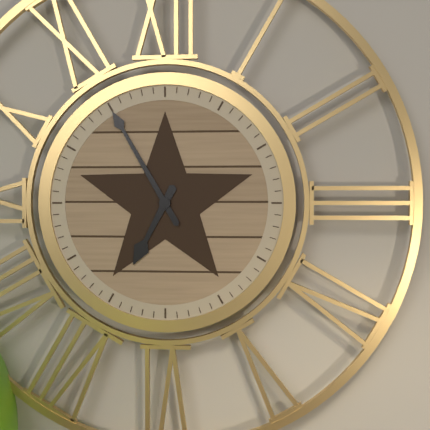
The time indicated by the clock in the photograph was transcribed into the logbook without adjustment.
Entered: 6:55
